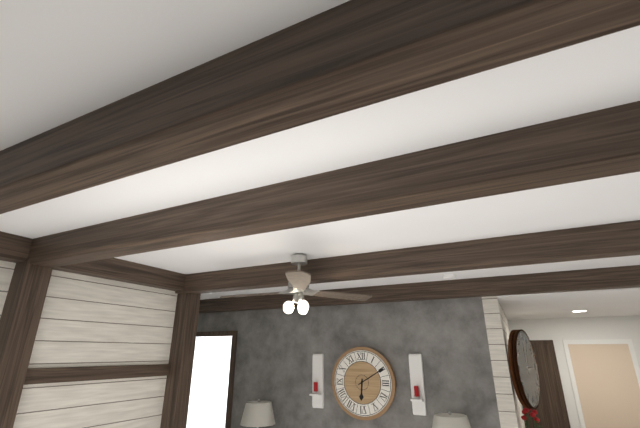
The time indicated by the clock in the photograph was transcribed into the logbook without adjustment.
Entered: 6:10
